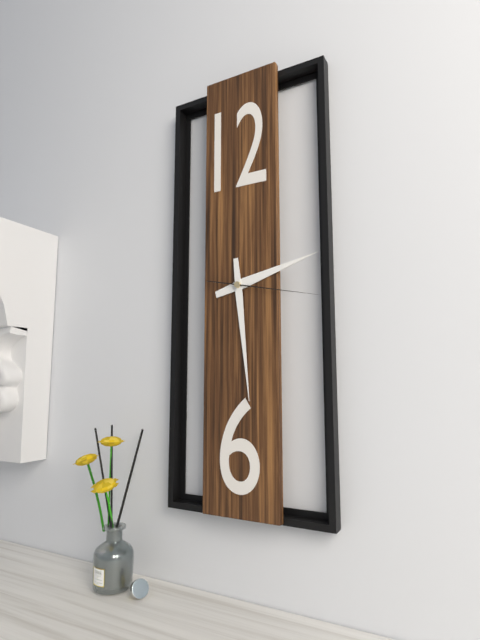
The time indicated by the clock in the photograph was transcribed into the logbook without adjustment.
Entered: 2:29:17
